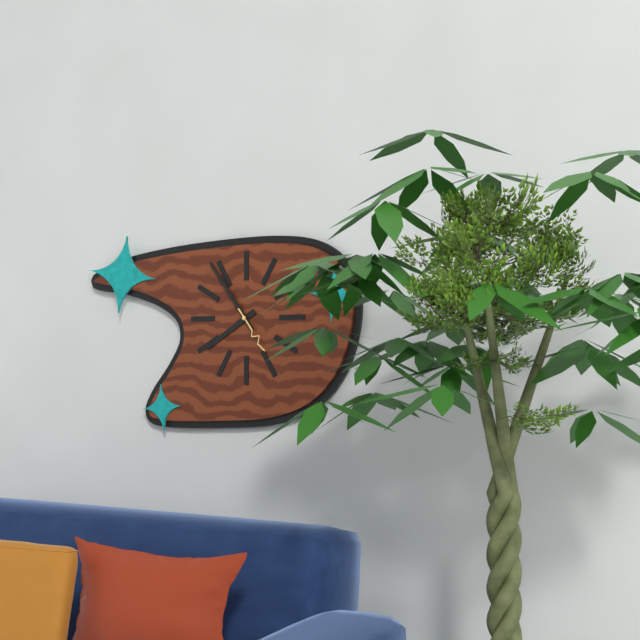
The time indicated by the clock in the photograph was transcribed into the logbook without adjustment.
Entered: 7:54
